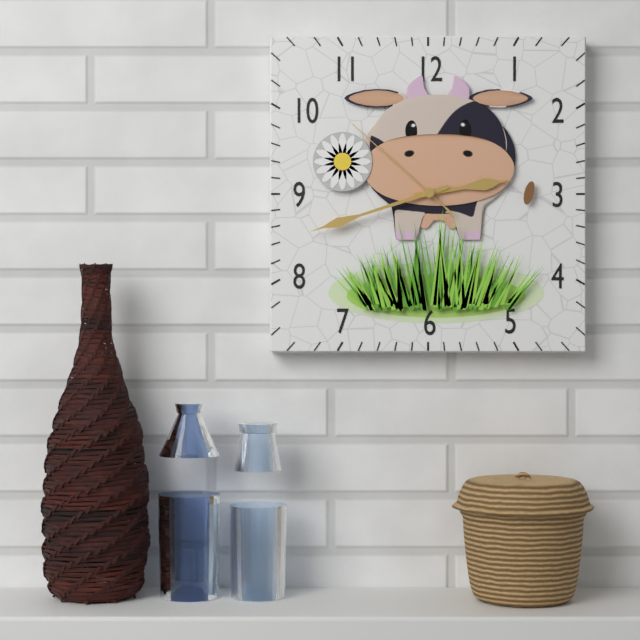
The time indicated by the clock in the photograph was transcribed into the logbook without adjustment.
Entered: 2:42:52
